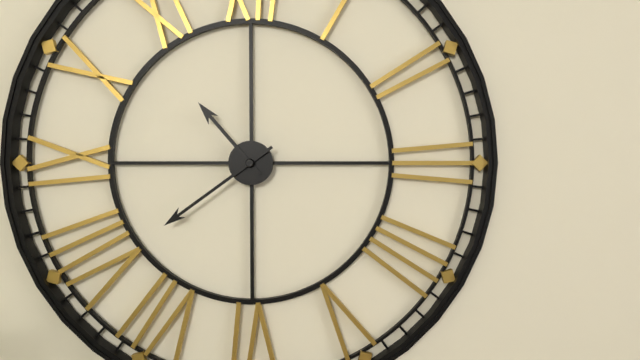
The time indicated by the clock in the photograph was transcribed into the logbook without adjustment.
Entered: 10:39
